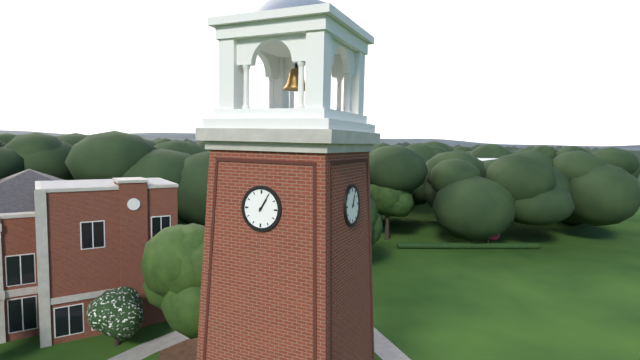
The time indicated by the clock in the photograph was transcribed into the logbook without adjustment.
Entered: 1:05
